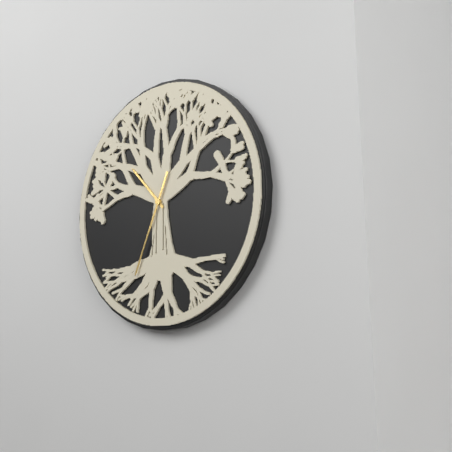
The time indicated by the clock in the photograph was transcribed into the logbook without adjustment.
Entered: 10:34
